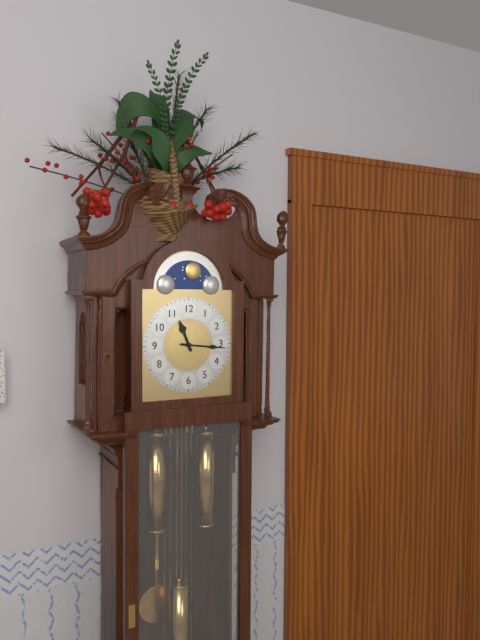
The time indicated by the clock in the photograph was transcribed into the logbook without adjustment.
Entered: 11:16
